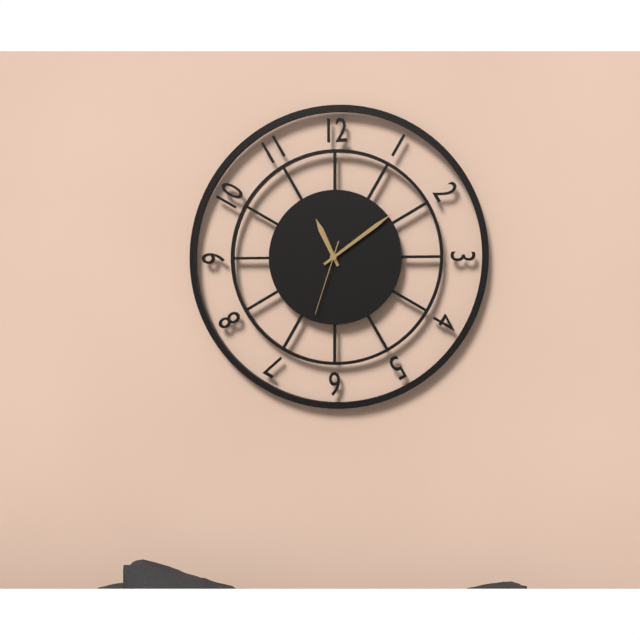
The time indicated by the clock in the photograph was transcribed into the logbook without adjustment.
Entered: 11:09:33
